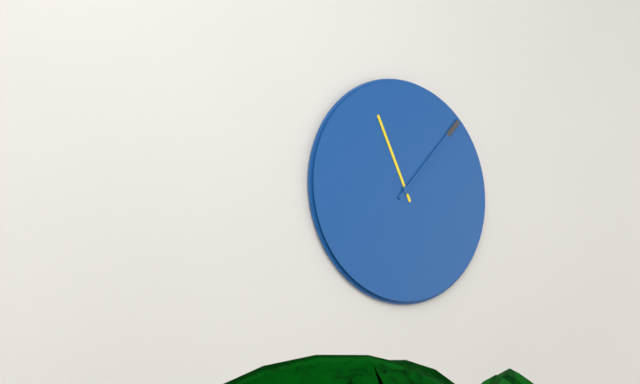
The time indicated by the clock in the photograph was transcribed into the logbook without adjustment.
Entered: 11:07
